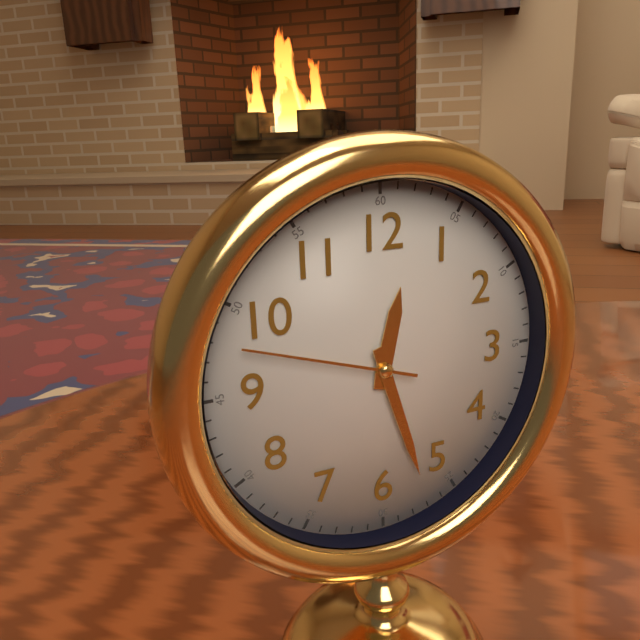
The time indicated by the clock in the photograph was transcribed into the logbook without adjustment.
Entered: 12:27:48
